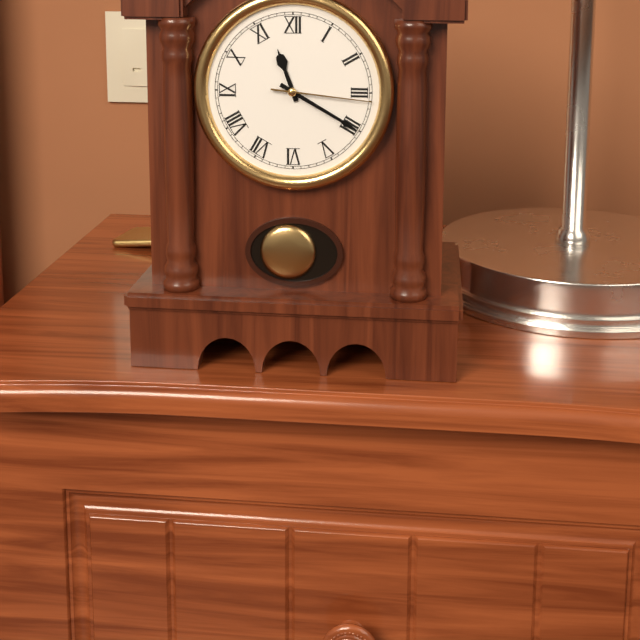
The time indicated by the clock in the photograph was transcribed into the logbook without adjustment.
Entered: 11:20:16
